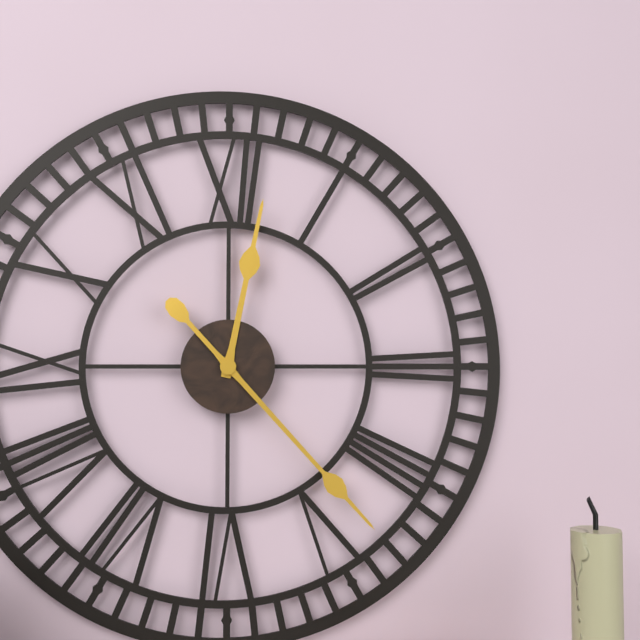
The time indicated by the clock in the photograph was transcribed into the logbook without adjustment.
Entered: 12:23
